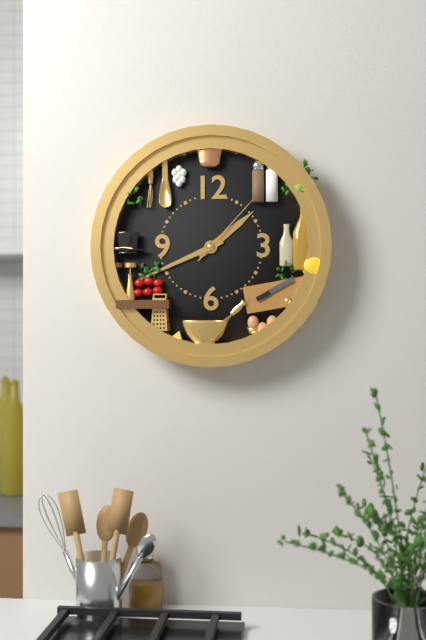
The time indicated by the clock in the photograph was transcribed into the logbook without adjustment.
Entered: 1:41:07
